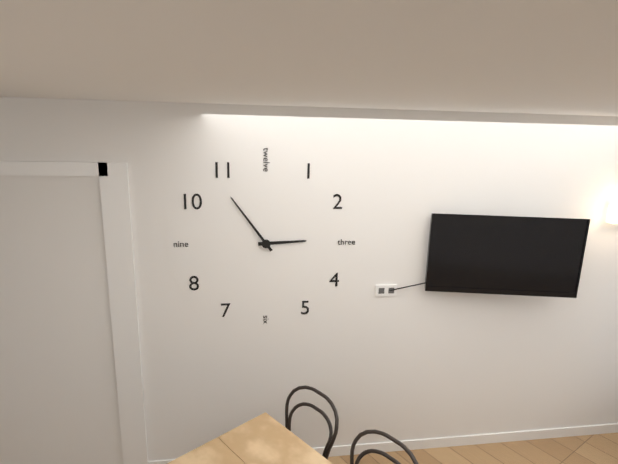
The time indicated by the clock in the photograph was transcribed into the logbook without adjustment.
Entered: 2:54
